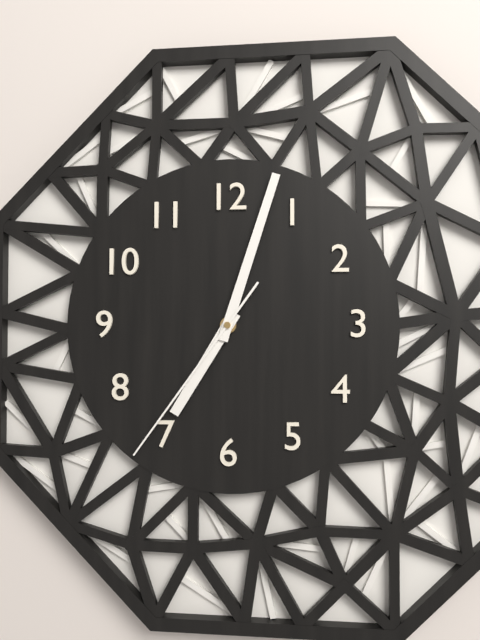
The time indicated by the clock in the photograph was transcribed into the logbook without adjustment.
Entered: 7:03:36
